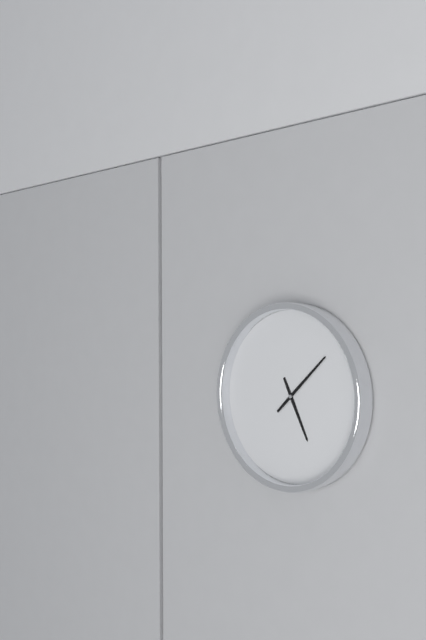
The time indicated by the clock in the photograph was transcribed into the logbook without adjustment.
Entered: 5:08
